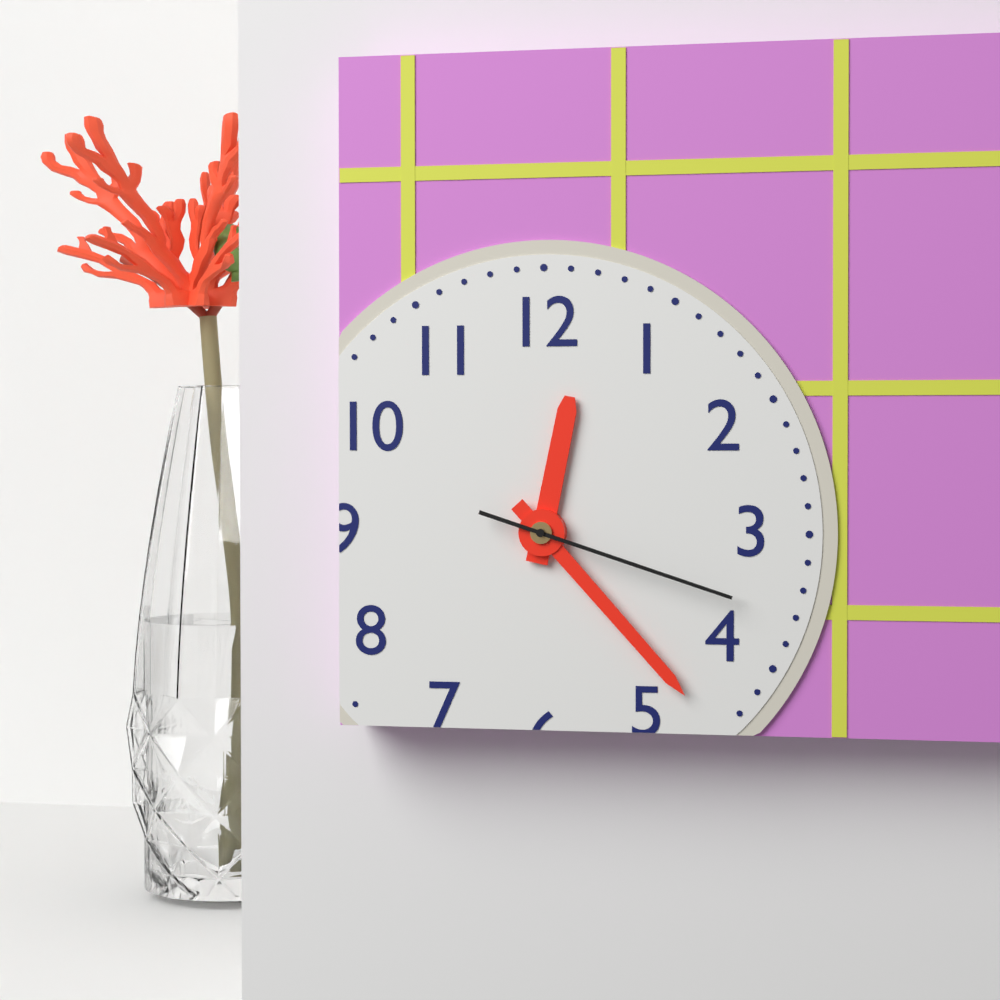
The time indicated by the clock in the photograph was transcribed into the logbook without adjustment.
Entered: 12:23:18
